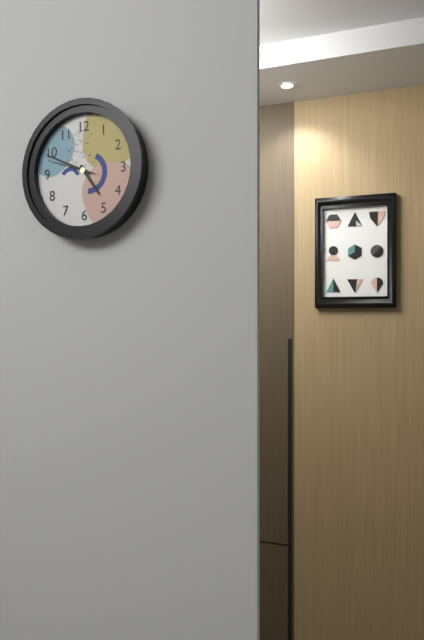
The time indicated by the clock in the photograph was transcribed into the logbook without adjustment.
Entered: 4:49
